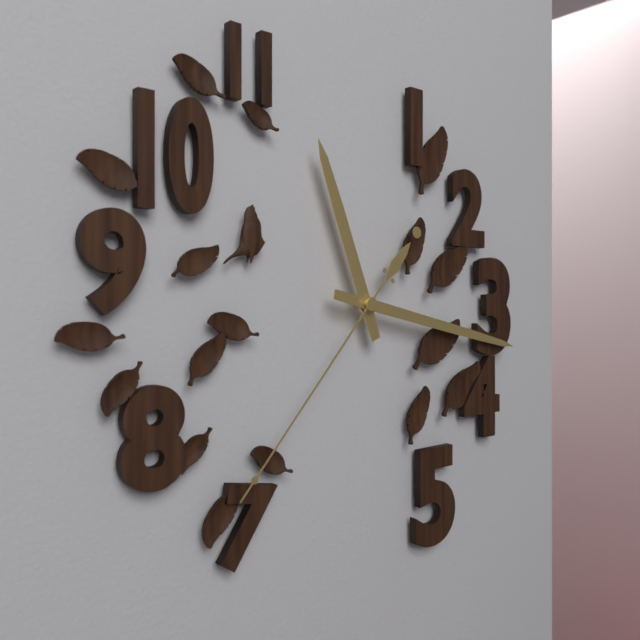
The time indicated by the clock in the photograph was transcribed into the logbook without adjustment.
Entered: 11:17:37
